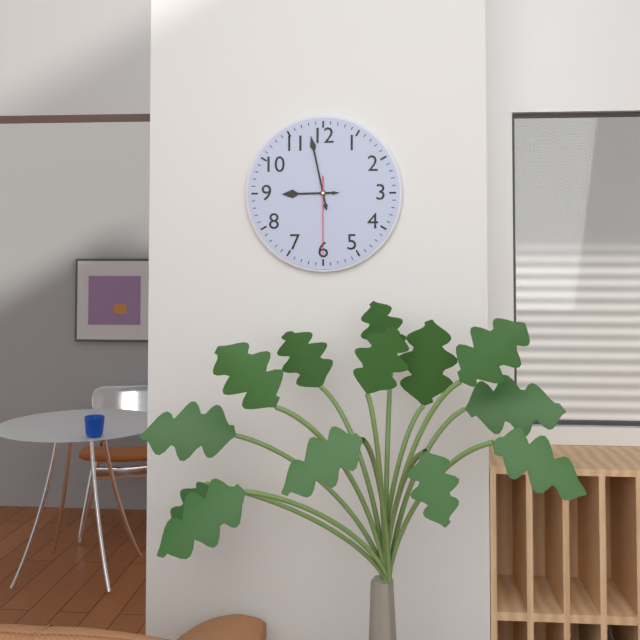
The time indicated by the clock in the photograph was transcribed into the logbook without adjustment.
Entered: 8:58:30
